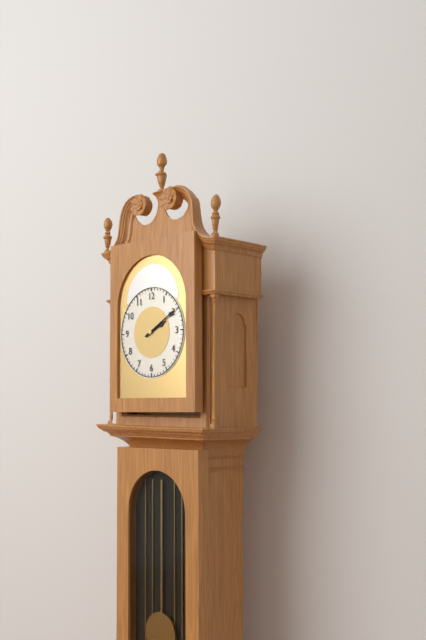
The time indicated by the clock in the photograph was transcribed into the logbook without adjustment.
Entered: 2:10
